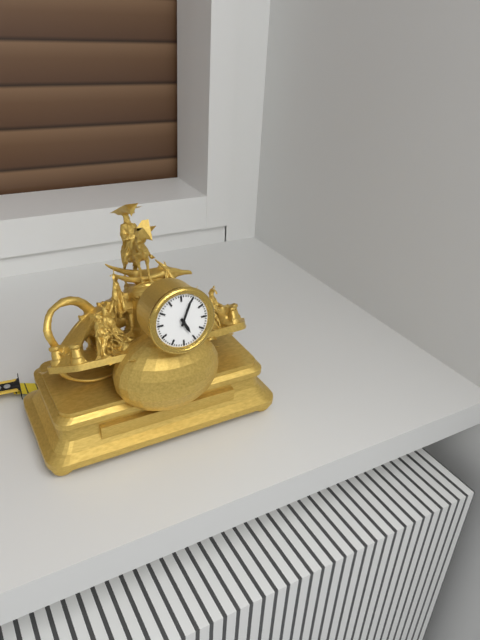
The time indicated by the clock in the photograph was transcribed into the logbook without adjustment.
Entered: 5:04
